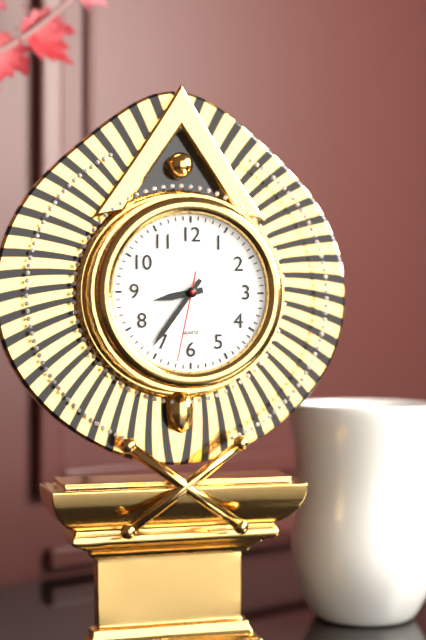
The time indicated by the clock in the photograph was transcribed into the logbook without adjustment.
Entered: 8:36:32
